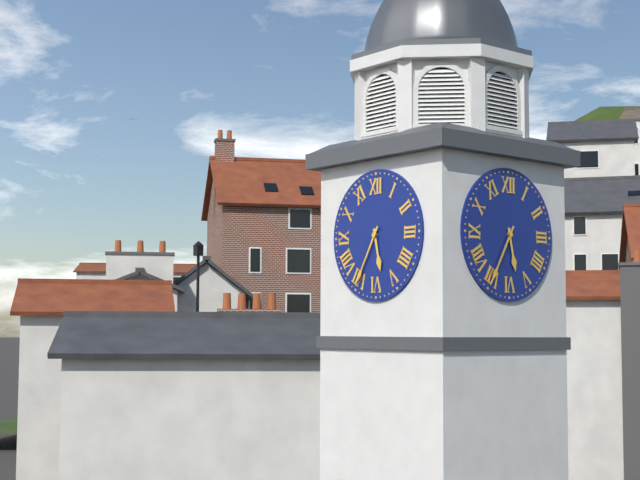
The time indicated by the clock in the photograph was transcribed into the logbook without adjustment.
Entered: 5:35
